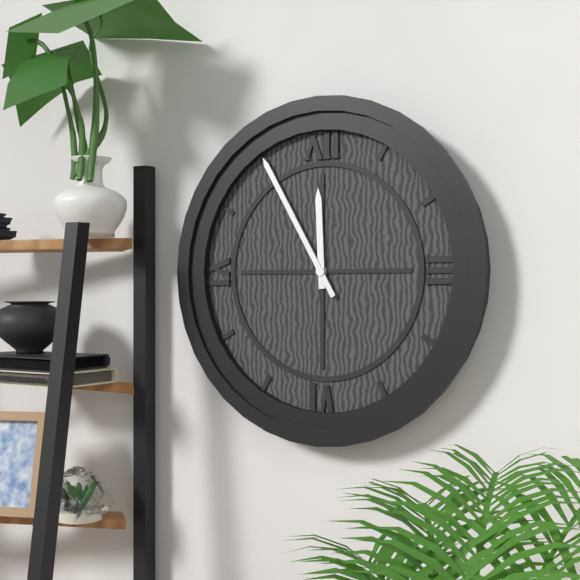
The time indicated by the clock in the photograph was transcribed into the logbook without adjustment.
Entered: 11:55
